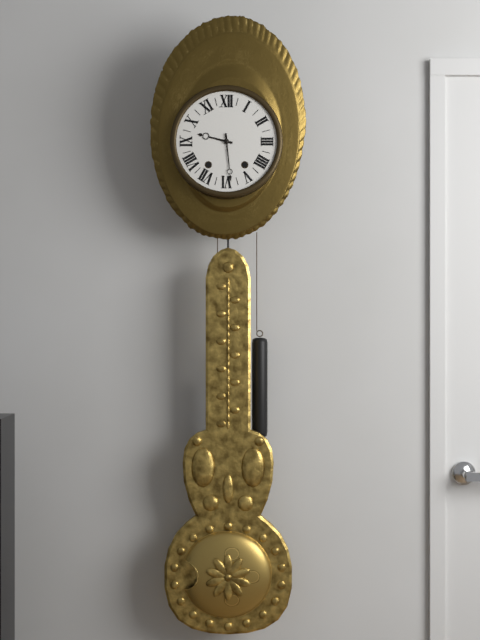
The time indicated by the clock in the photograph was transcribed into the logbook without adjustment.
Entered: 9:29
